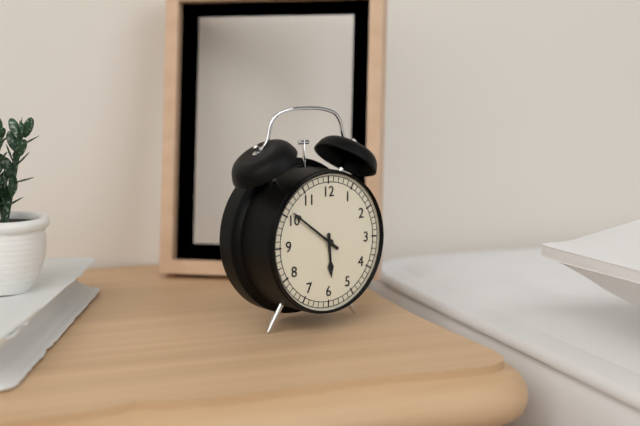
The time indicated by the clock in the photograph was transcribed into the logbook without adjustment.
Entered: 5:51
